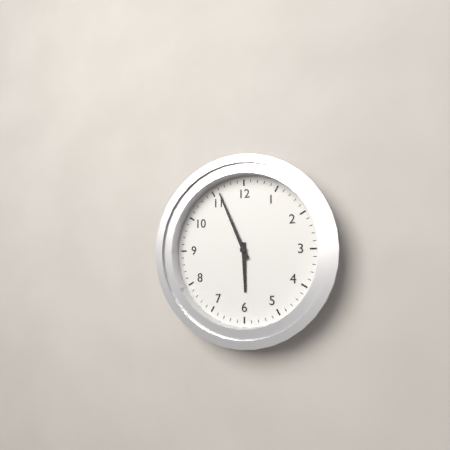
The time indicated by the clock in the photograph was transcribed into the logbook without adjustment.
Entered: 5:56
